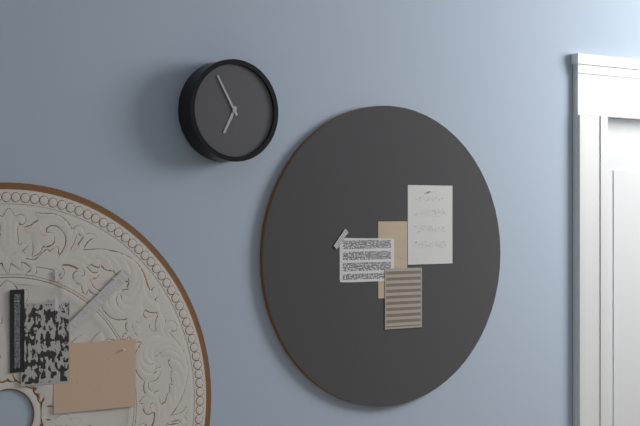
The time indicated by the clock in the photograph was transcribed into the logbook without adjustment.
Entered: 6:55
